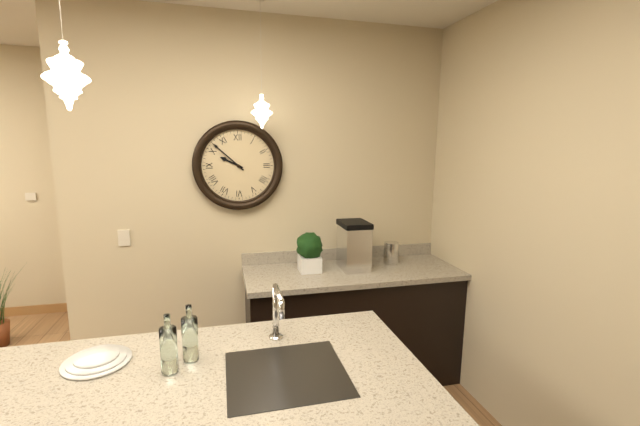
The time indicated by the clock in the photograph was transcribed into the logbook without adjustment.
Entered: 9:52
